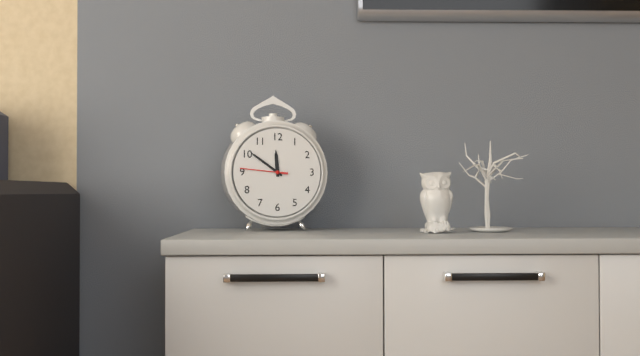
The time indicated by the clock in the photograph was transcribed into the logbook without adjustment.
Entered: 11:51
